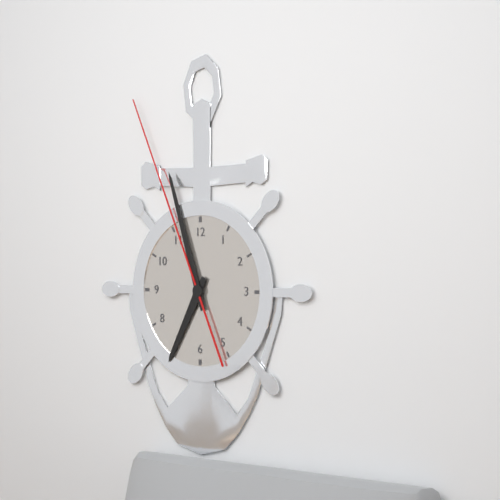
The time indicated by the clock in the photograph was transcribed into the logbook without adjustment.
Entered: 6:57:56
